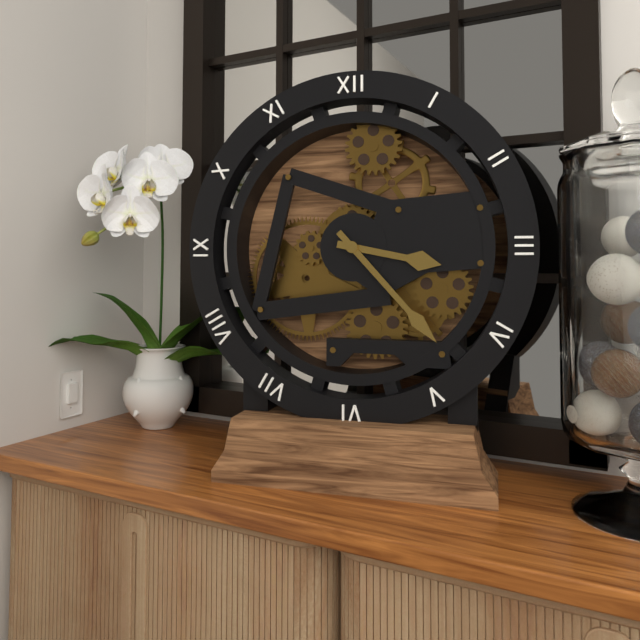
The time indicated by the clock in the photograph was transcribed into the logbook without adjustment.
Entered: 3:23
